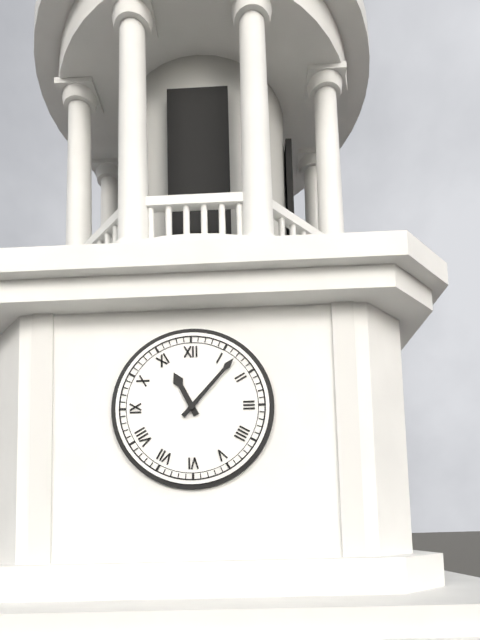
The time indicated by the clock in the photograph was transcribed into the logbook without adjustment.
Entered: 11:07
